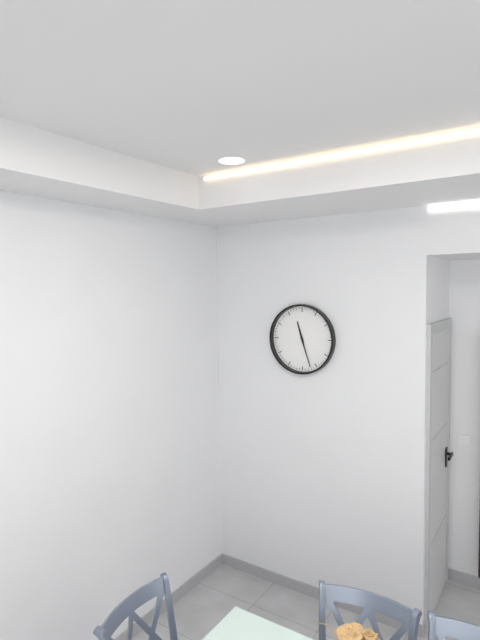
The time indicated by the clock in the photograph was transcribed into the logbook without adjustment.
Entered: 11:27
